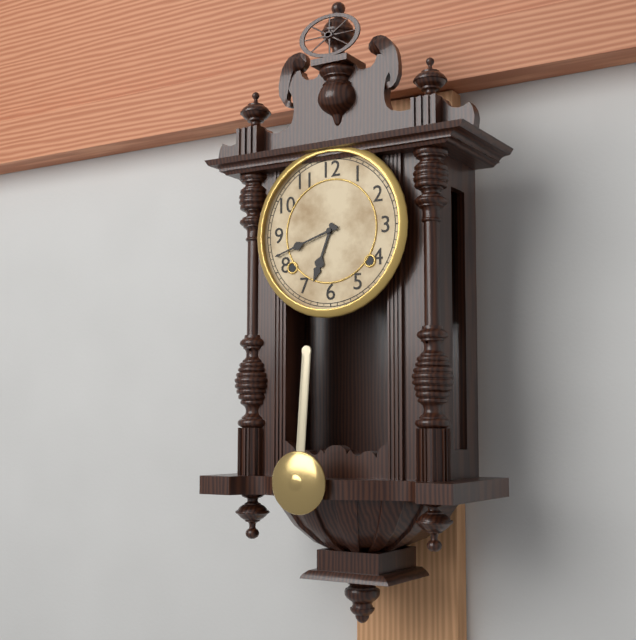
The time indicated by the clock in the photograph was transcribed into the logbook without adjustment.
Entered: 6:42
